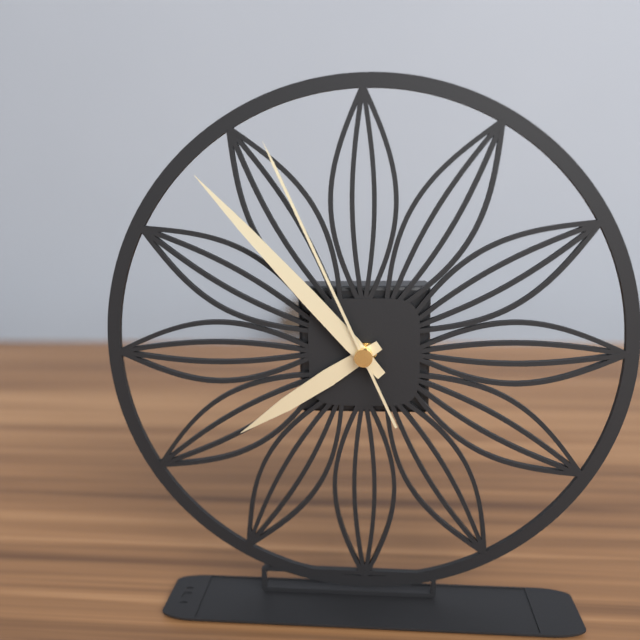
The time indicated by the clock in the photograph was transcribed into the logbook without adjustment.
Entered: 7:53:56
